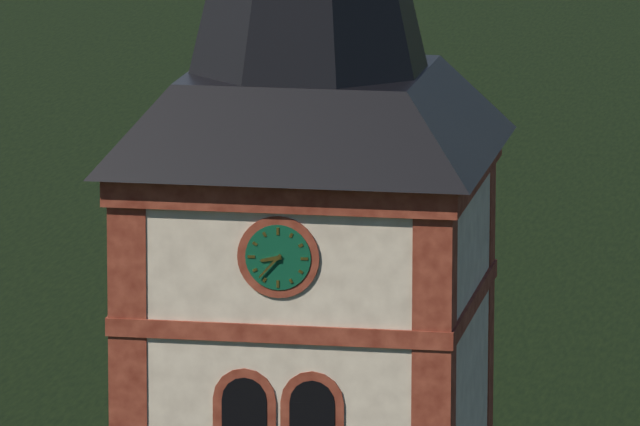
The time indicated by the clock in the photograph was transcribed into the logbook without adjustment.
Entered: 8:37
